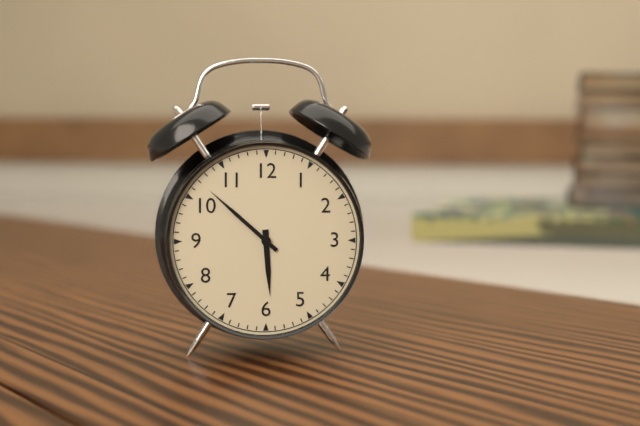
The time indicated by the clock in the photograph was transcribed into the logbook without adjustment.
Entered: 5:52
